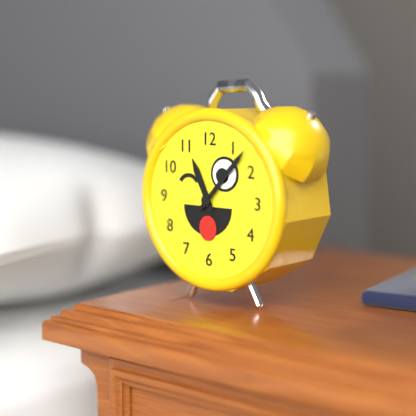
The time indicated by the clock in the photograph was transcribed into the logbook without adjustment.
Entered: 11:07
